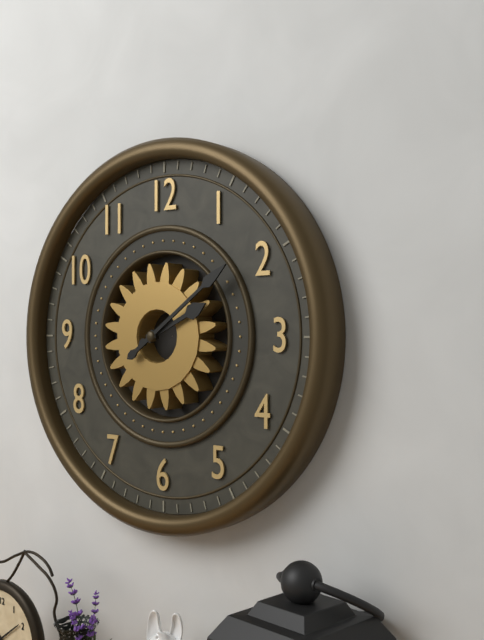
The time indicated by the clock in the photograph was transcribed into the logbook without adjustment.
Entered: 2:09
